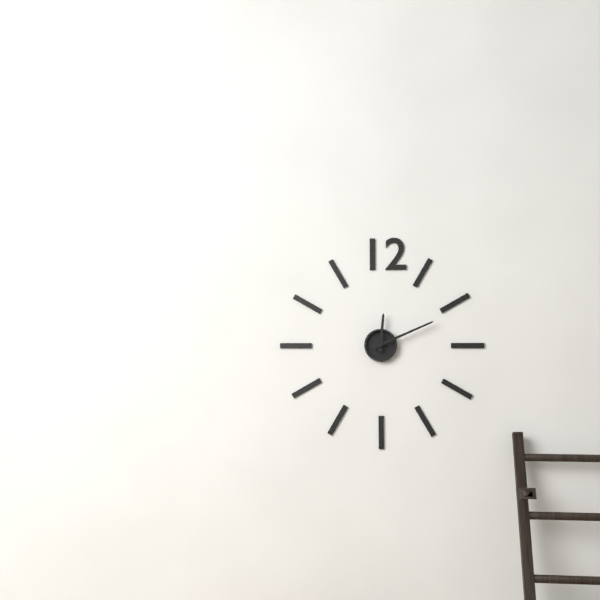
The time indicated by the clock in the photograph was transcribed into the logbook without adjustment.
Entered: 12:11
